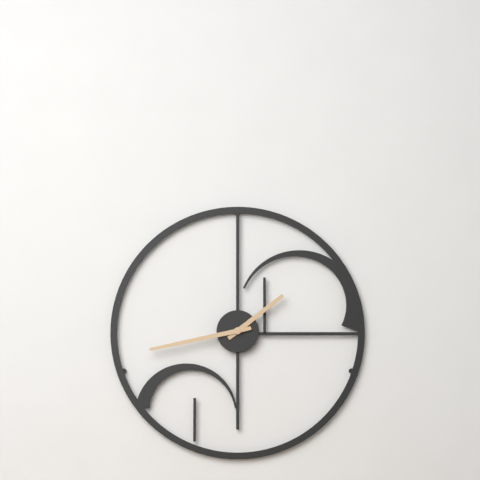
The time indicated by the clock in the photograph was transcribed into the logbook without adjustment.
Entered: 1:43
